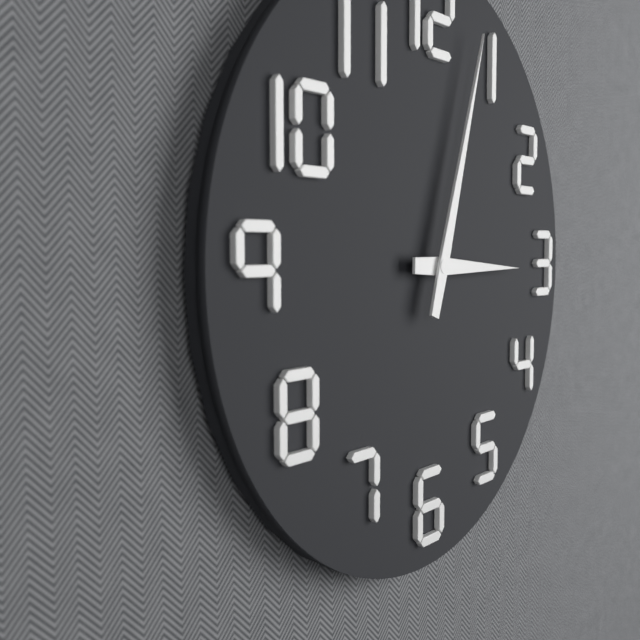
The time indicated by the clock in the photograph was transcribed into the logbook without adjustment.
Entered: 3:03
